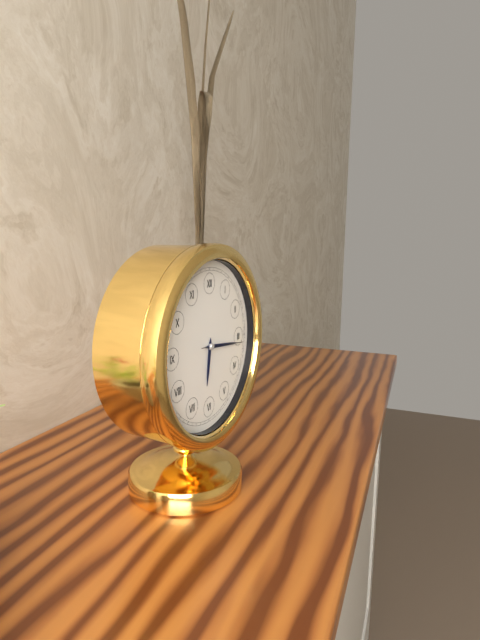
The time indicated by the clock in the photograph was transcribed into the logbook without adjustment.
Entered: 6:16
